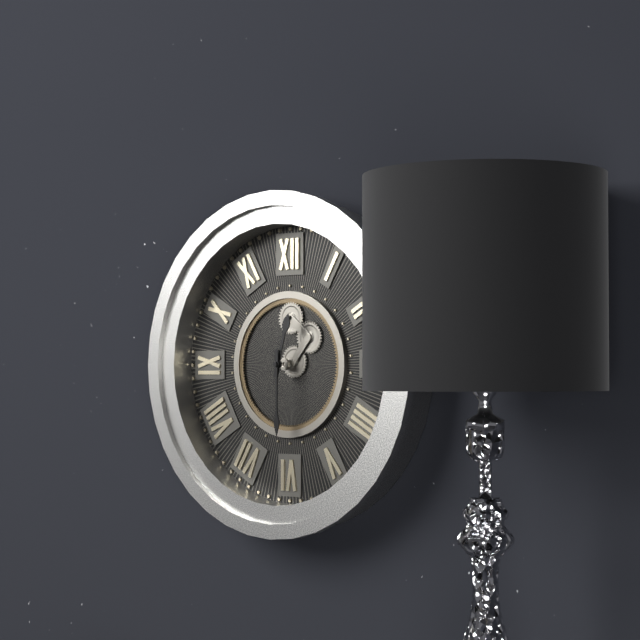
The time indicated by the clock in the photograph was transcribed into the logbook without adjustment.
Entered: 12:30
